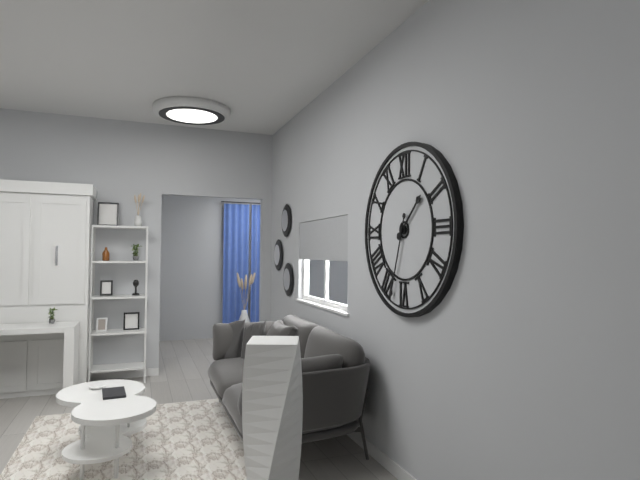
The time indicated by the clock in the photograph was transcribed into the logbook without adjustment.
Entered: 1:33
